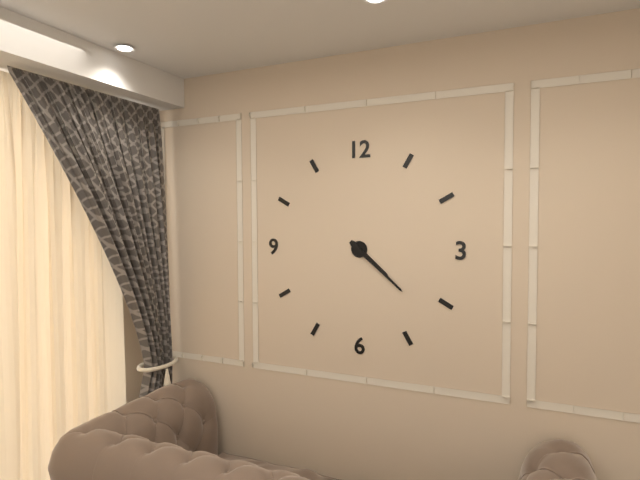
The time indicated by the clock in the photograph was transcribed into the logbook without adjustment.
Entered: 4:22
